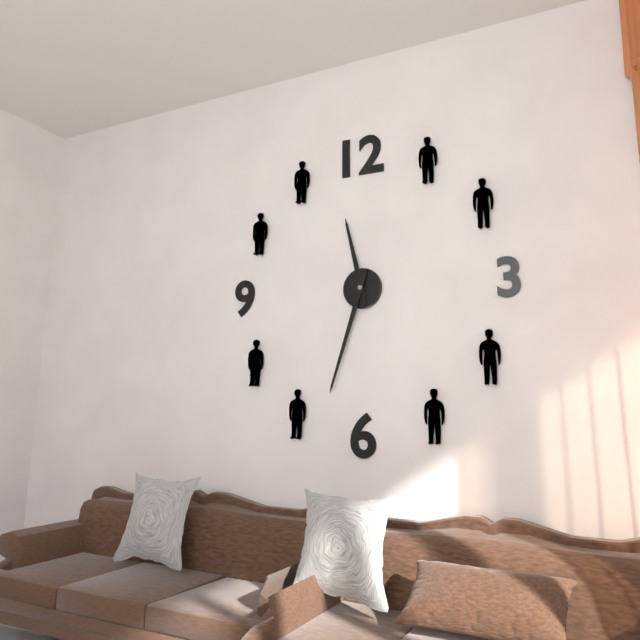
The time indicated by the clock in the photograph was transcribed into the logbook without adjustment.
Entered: 11:33
